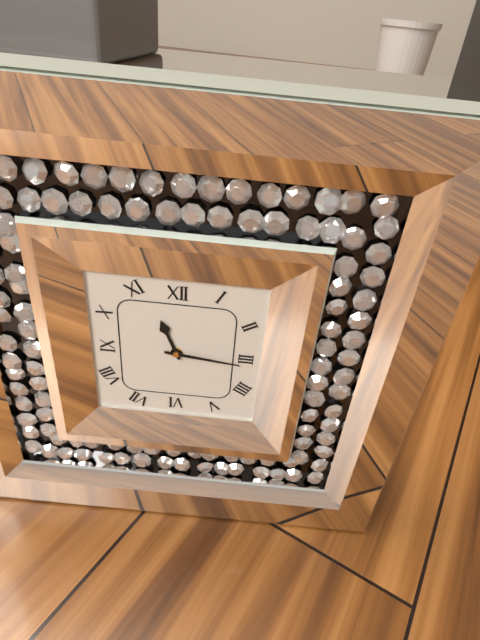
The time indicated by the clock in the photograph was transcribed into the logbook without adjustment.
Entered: 11:16
